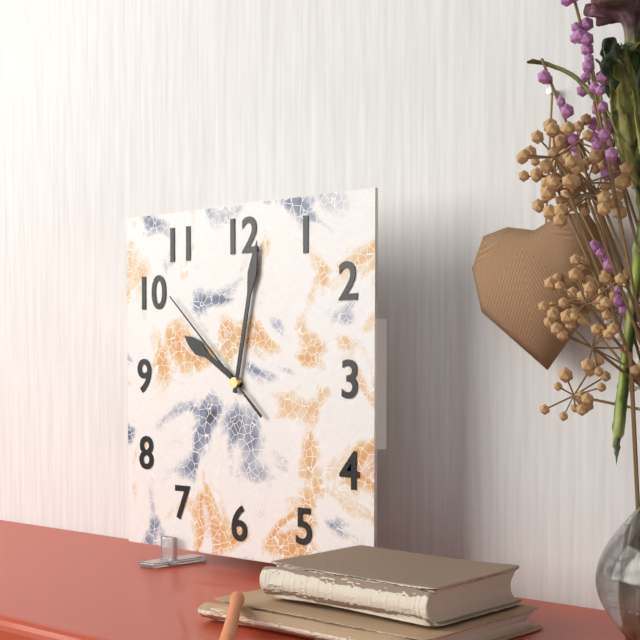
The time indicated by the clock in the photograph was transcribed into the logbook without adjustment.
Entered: 10:02:52
